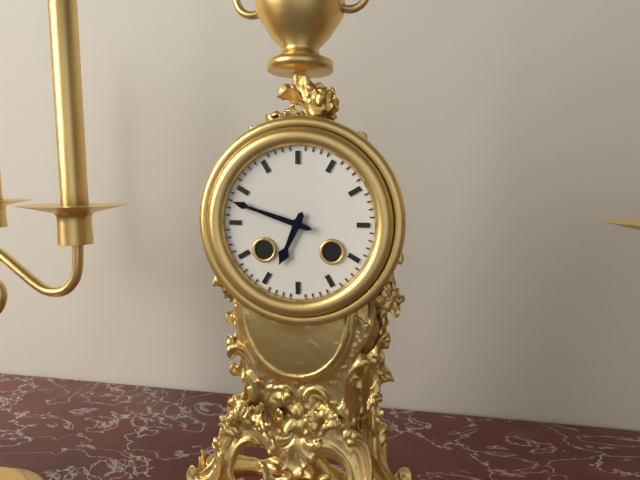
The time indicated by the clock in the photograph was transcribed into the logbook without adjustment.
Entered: 6:48
